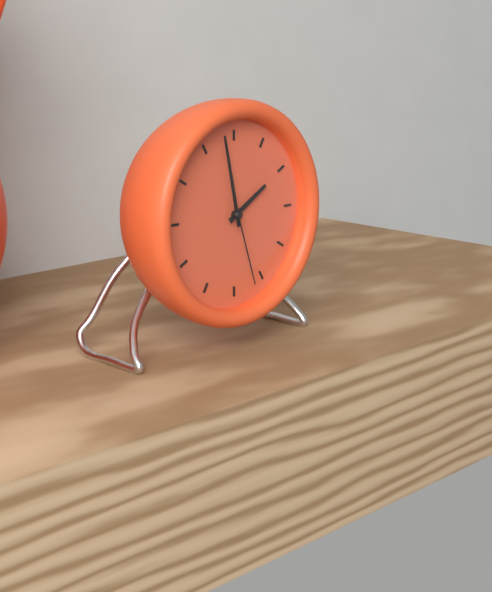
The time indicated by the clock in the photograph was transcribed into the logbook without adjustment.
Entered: 1:58:27
